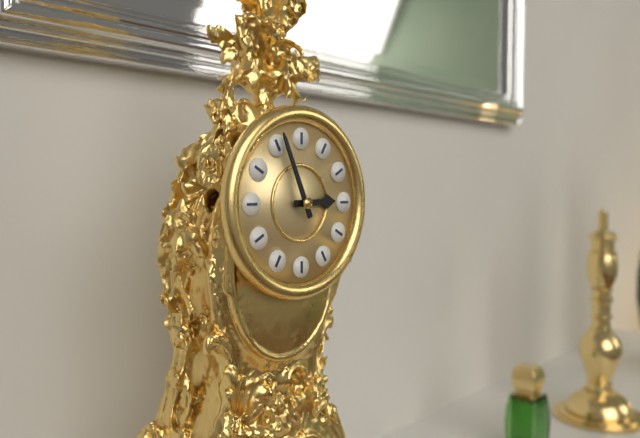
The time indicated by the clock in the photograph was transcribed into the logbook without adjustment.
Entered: 2:56
